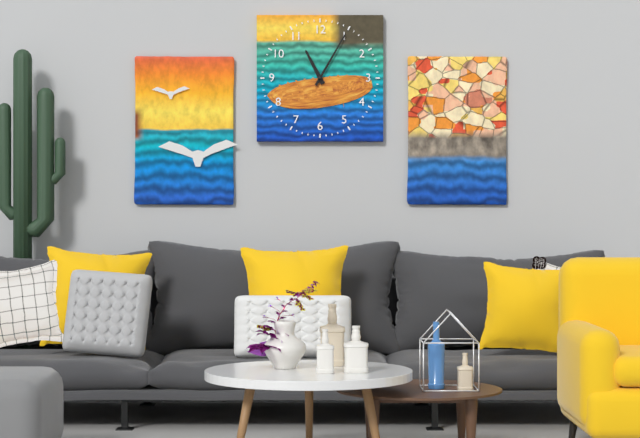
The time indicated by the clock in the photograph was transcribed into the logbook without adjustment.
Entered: 11:05
